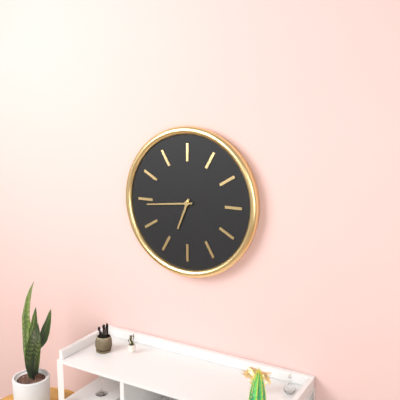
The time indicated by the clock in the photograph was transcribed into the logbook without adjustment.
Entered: 6:44
